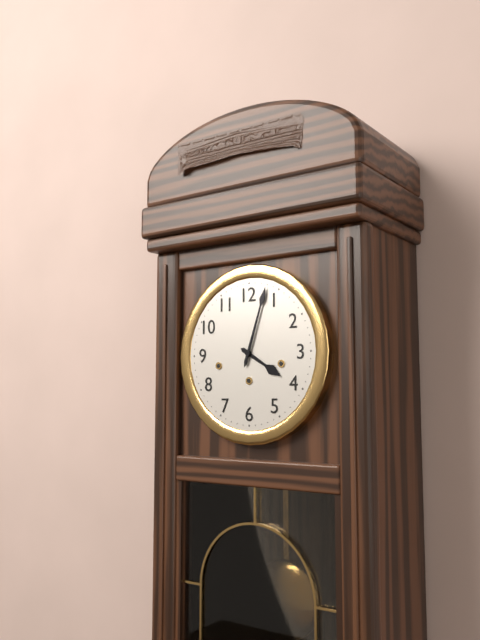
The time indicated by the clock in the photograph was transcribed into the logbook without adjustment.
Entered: 4:03
